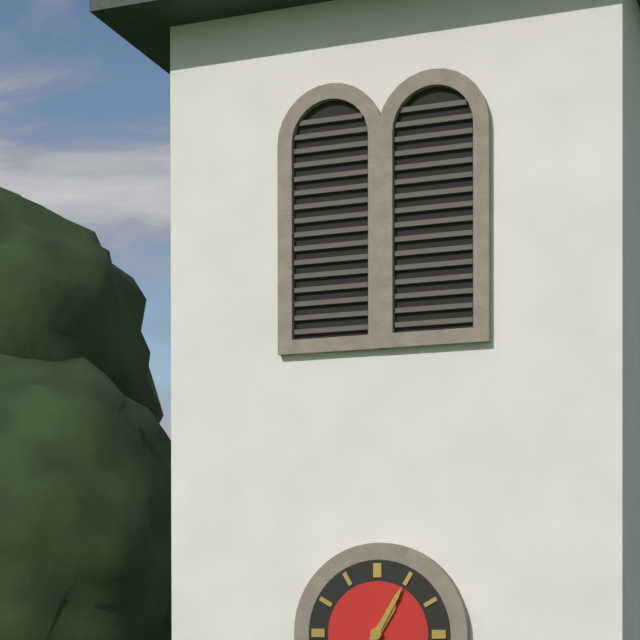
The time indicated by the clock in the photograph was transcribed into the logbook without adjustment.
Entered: 1:05
